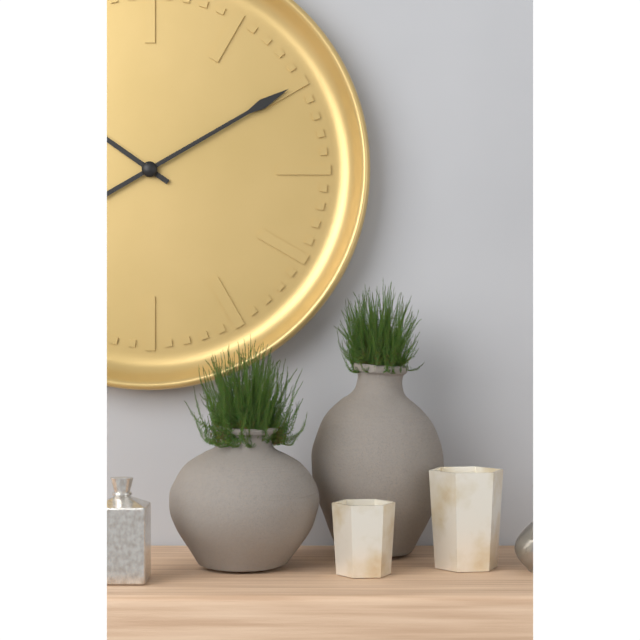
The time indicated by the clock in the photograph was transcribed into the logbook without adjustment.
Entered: 10:10
